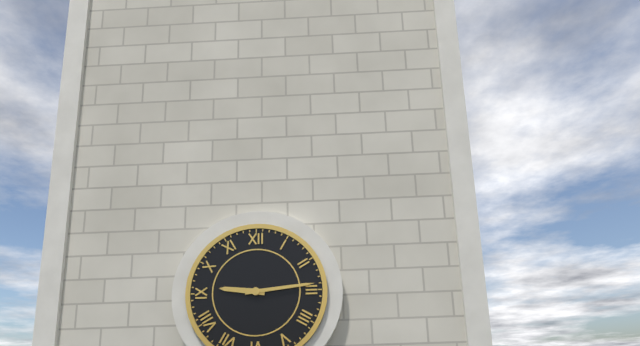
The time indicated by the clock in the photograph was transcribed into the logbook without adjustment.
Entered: 9:14
